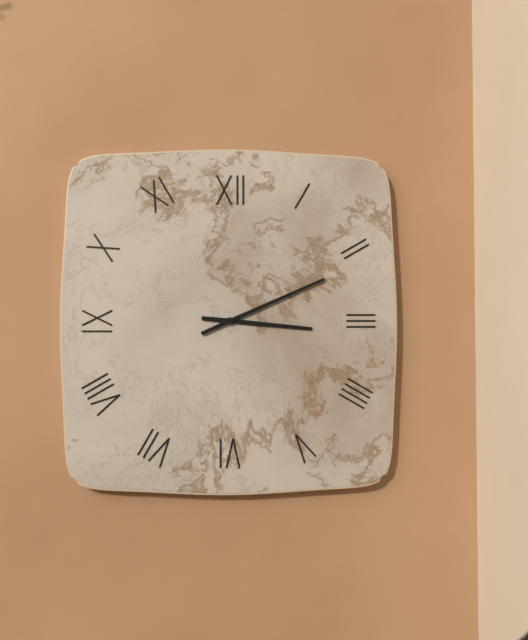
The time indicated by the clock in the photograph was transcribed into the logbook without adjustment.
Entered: 3:11
